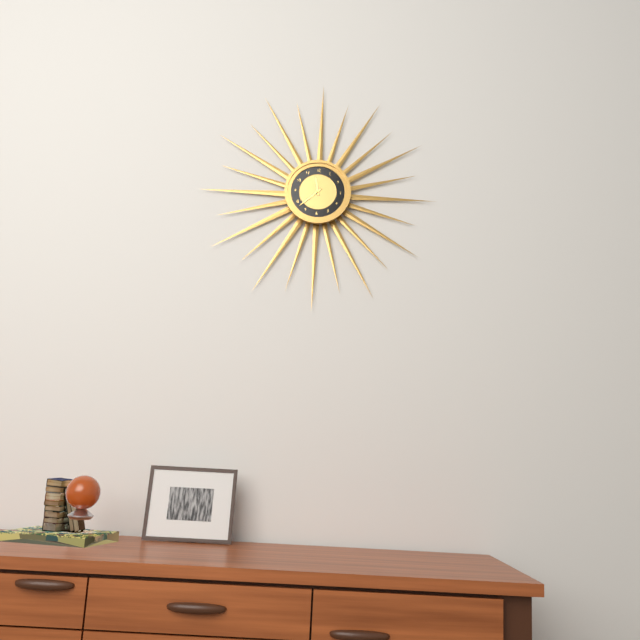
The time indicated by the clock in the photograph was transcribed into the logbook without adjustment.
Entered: 11:38
